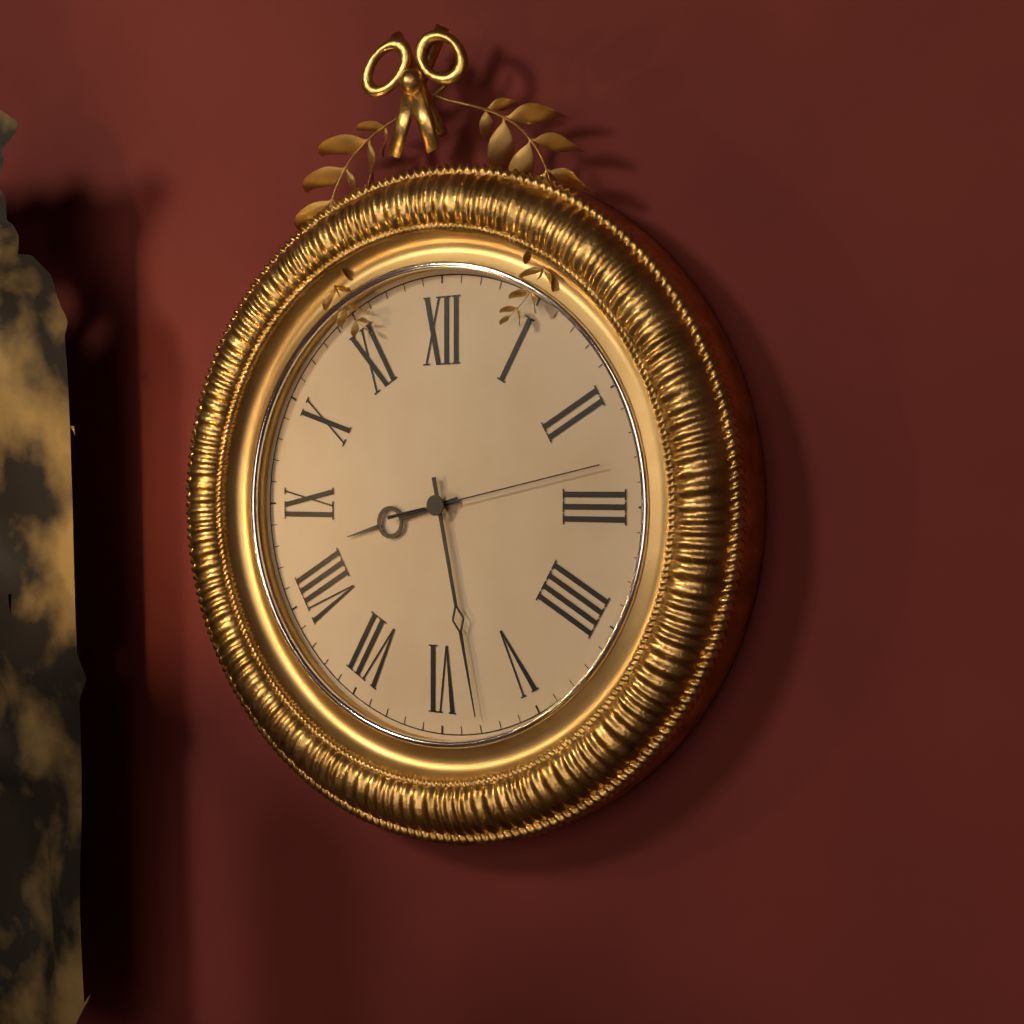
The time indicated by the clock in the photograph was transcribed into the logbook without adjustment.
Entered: 8:28:13
